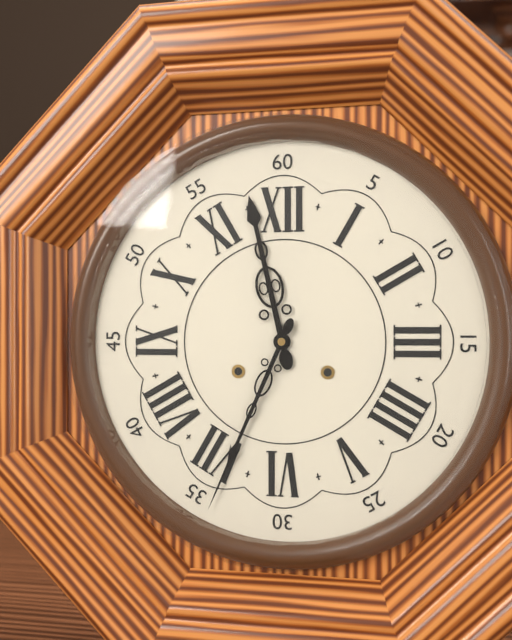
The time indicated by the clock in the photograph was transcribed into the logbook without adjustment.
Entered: 11:34
